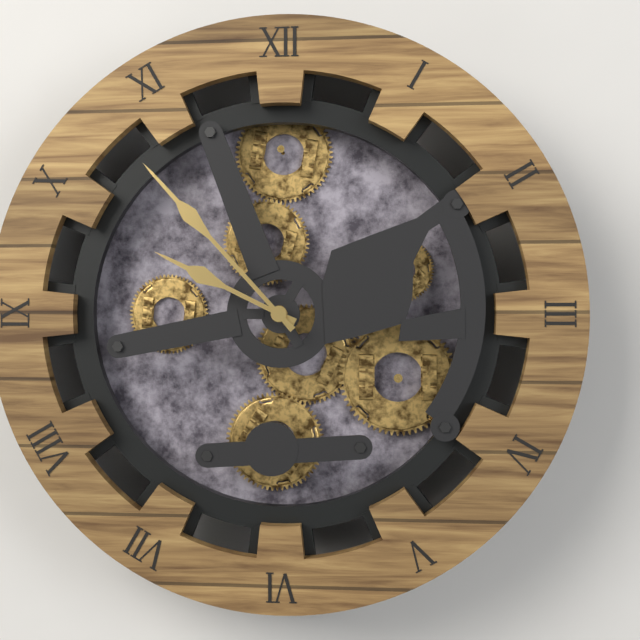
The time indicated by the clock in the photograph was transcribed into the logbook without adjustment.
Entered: 9:53
